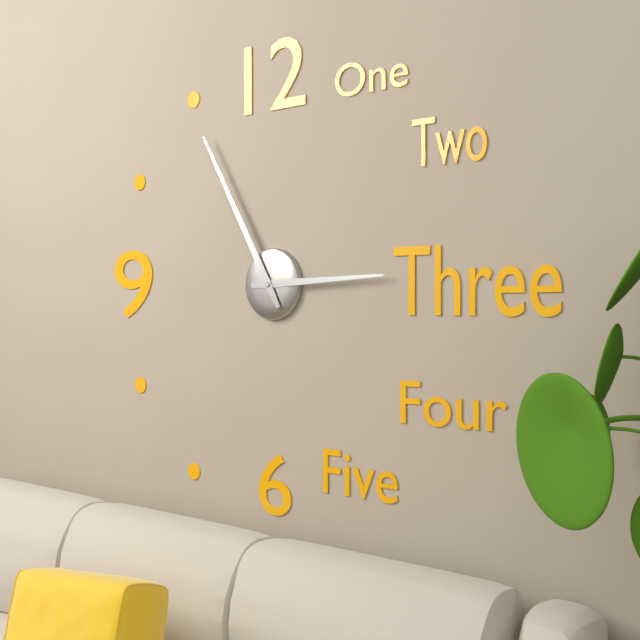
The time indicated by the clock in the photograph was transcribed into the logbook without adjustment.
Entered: 2:55
